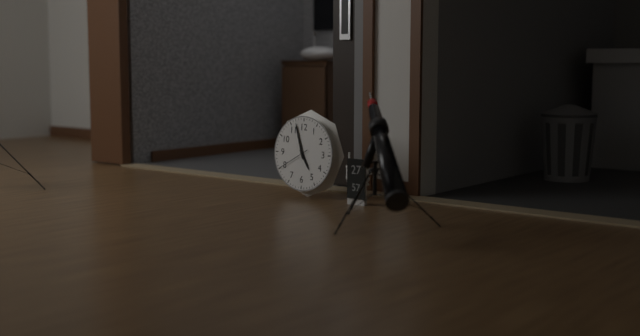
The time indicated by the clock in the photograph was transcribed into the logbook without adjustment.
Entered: 4:57
